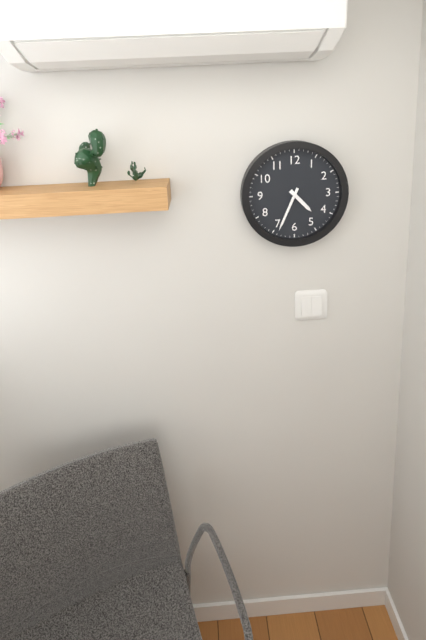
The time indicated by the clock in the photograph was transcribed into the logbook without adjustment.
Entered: 4:34
